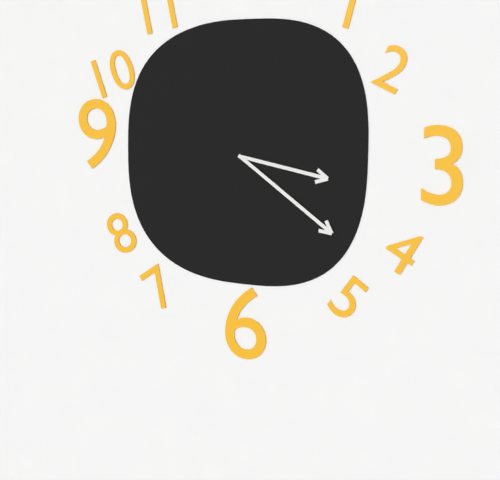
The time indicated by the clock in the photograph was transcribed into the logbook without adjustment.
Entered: 3:21
